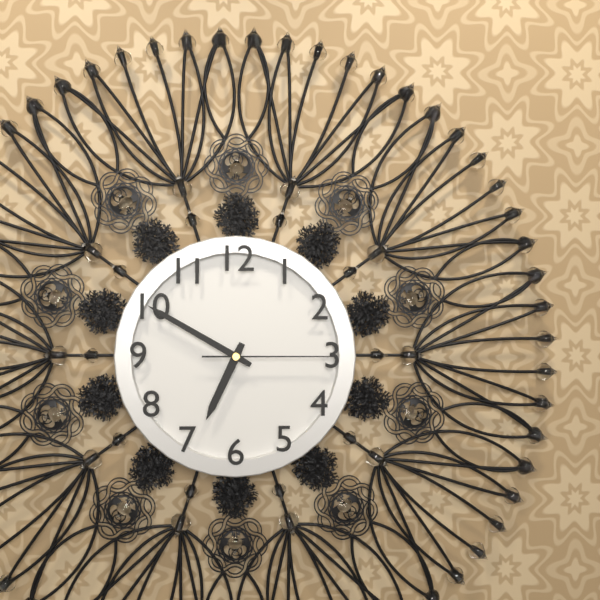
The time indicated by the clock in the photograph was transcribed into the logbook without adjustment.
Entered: 6:50:15
